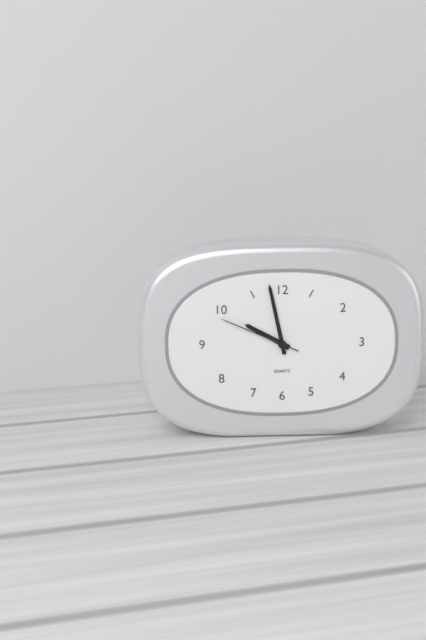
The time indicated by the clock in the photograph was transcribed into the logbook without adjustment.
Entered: 9:58:49
